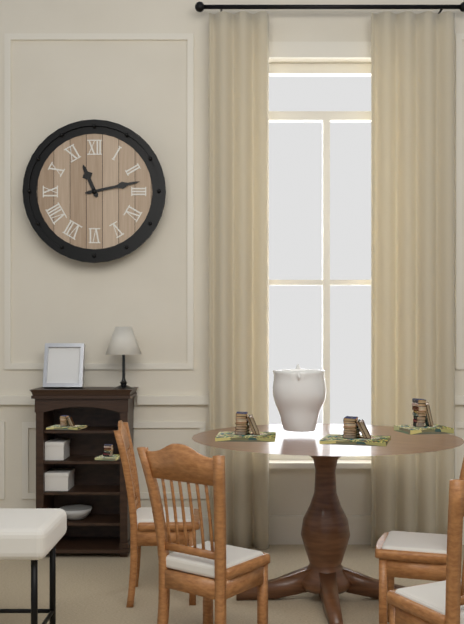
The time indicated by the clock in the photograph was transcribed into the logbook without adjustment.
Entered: 11:13
